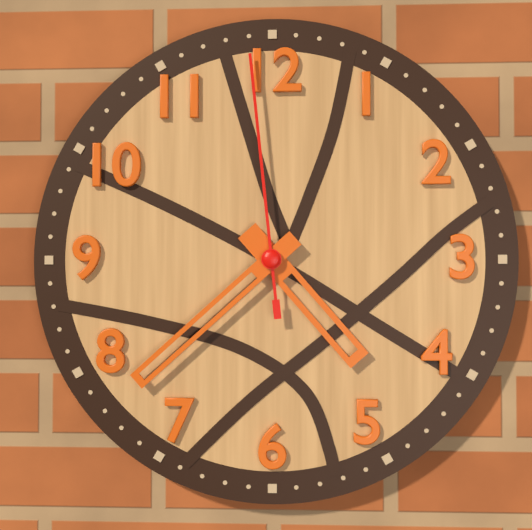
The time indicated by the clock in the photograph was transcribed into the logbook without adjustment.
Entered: 4:38:59
